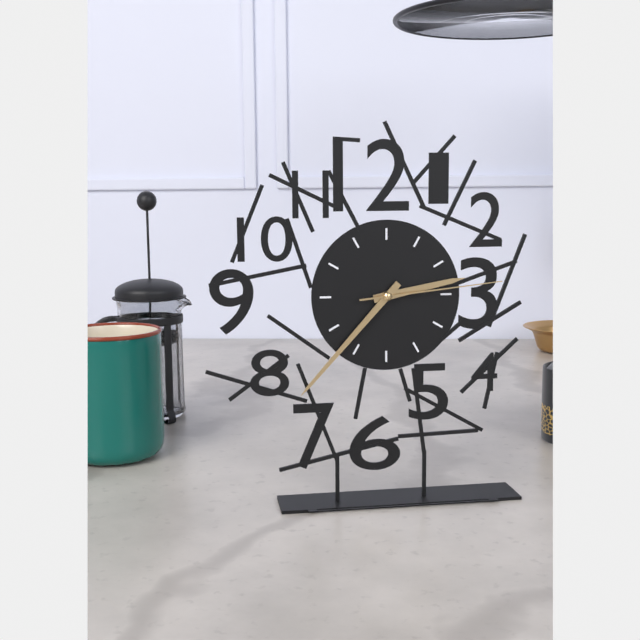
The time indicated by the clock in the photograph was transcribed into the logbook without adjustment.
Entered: 2:37:14
